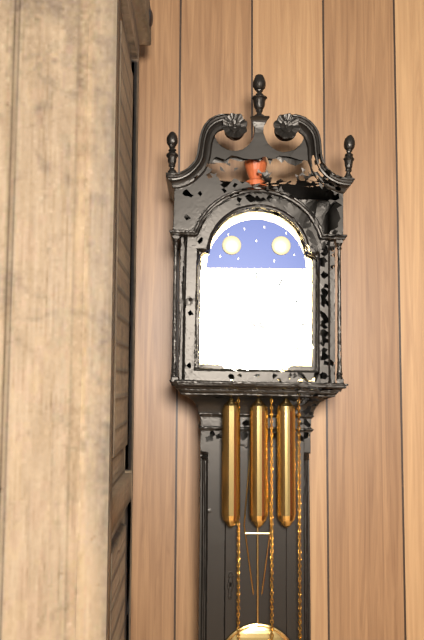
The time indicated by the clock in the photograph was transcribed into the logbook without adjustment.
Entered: 9:43
